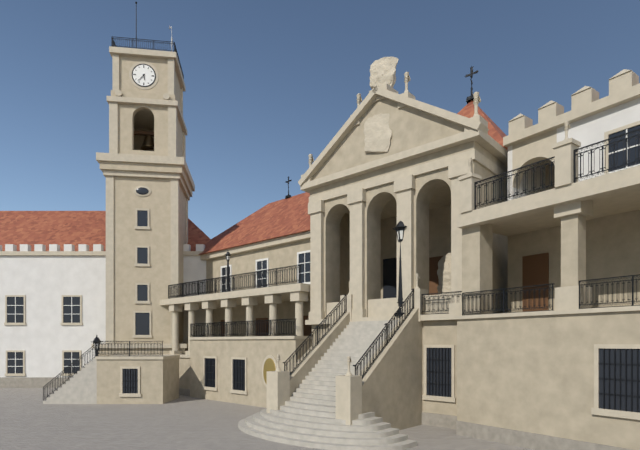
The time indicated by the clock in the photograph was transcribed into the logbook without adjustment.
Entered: 5:37
